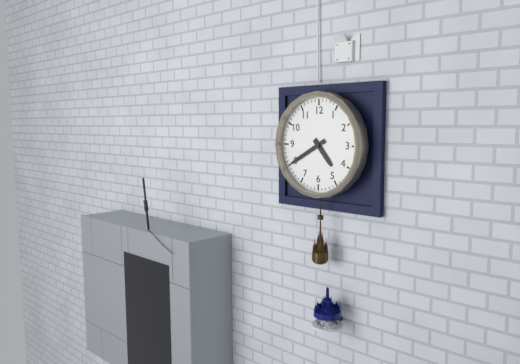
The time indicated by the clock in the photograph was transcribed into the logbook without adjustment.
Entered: 4:40
